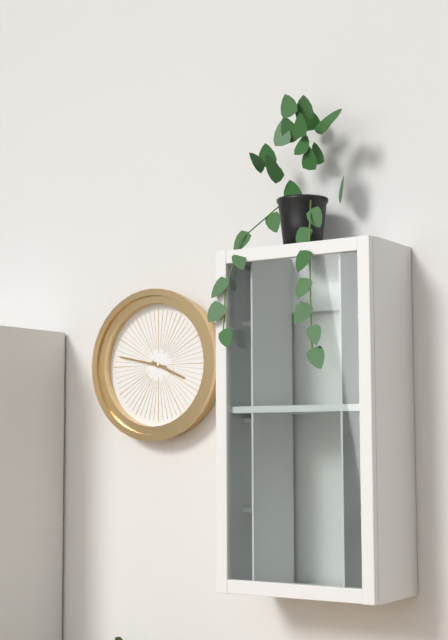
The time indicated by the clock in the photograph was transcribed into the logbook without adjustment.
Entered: 3:47
